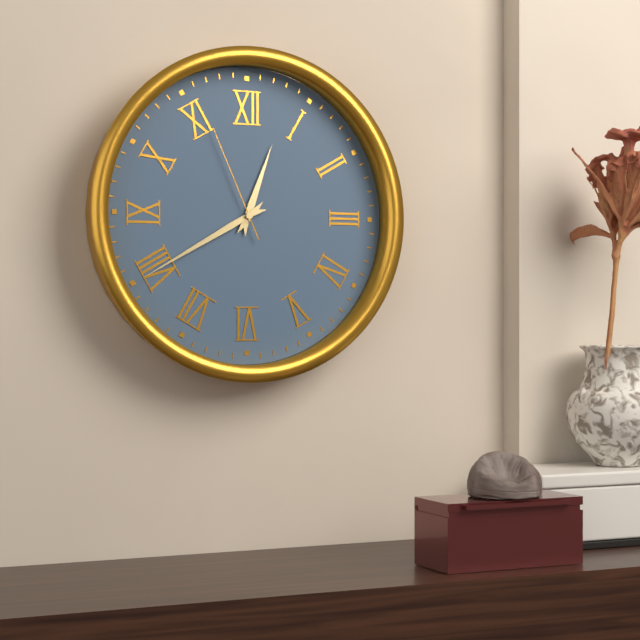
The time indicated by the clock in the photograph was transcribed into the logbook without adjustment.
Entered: 12:40:56
